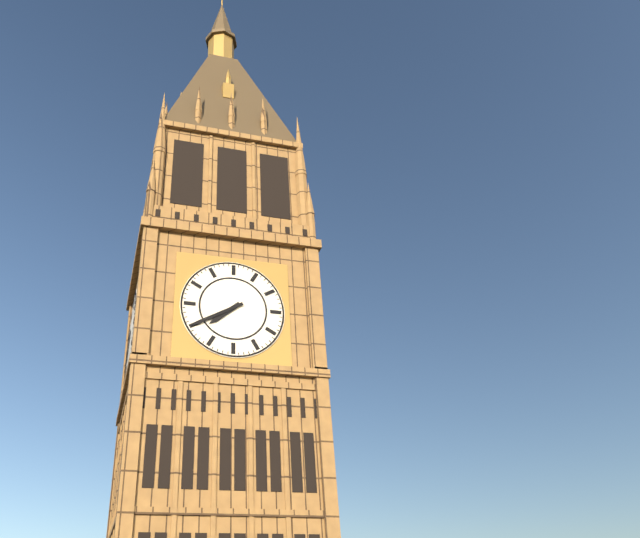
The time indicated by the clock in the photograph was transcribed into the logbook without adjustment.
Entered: 7:40
